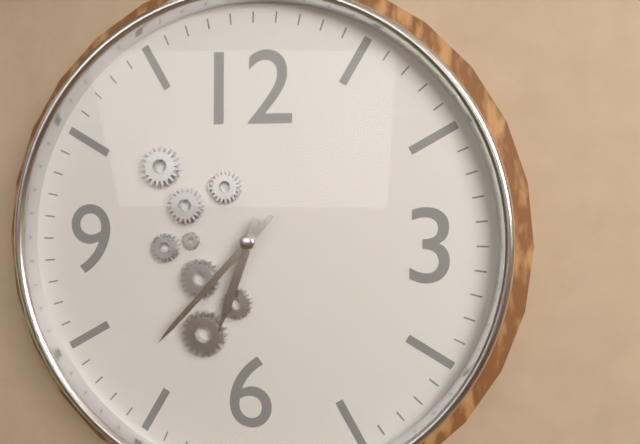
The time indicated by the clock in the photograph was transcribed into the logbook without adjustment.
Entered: 6:37
